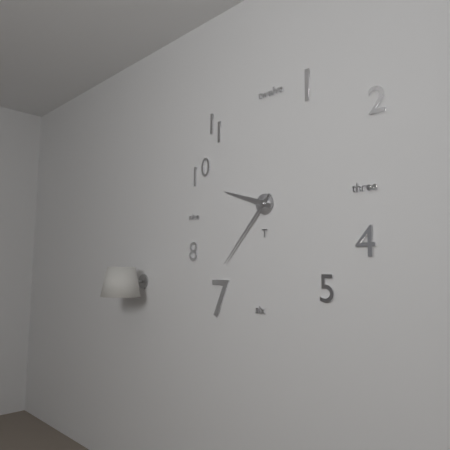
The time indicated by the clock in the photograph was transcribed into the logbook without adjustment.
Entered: 9:37
